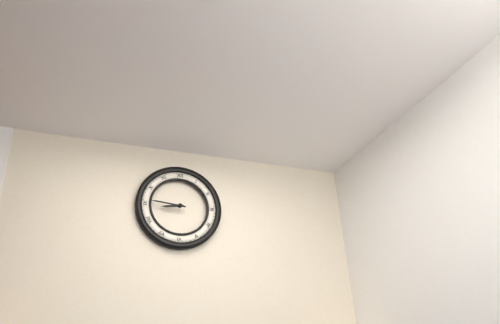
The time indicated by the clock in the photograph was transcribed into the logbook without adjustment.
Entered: 8:46
